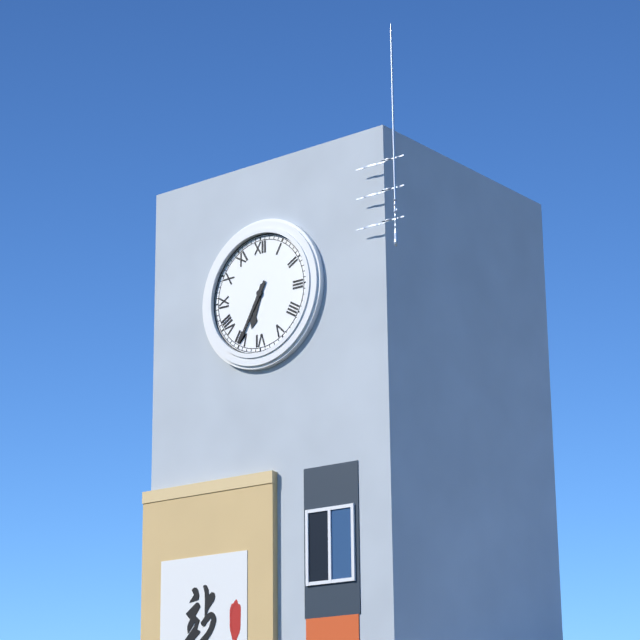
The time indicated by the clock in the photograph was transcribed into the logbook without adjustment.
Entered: 6:35
